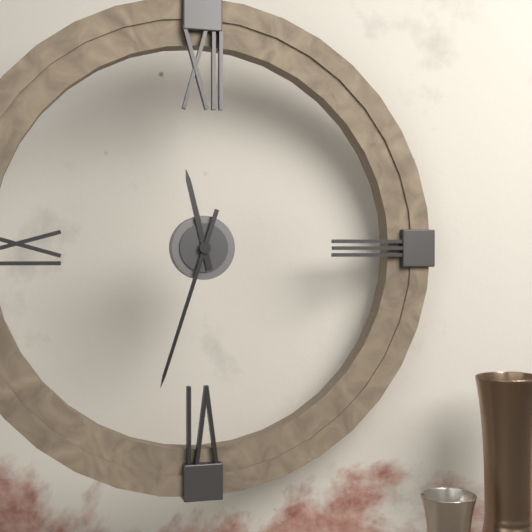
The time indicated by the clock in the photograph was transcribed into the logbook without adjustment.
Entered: 11:33
